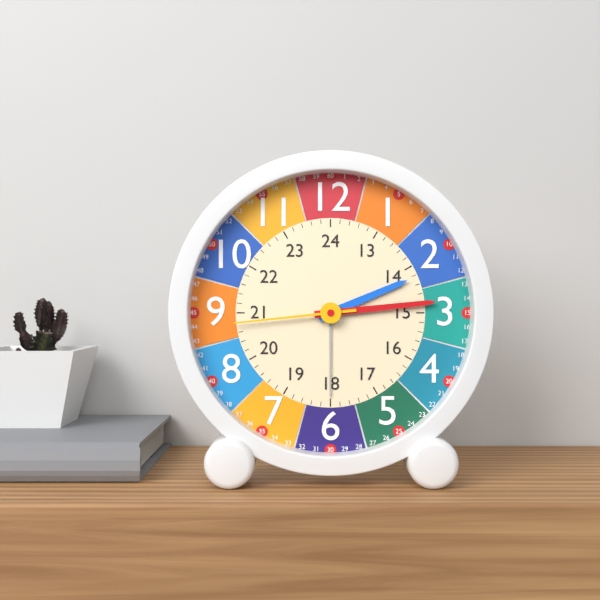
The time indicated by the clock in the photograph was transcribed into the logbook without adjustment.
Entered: 2:14:44
